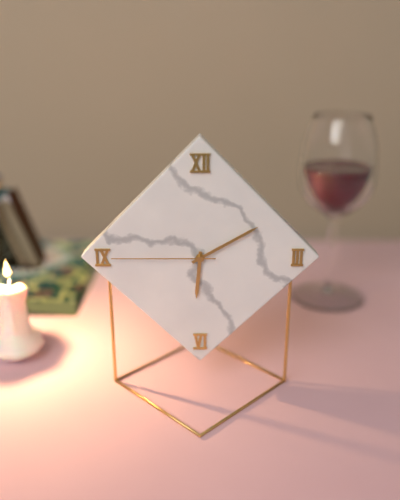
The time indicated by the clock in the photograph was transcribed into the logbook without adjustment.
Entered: 6:10:45
